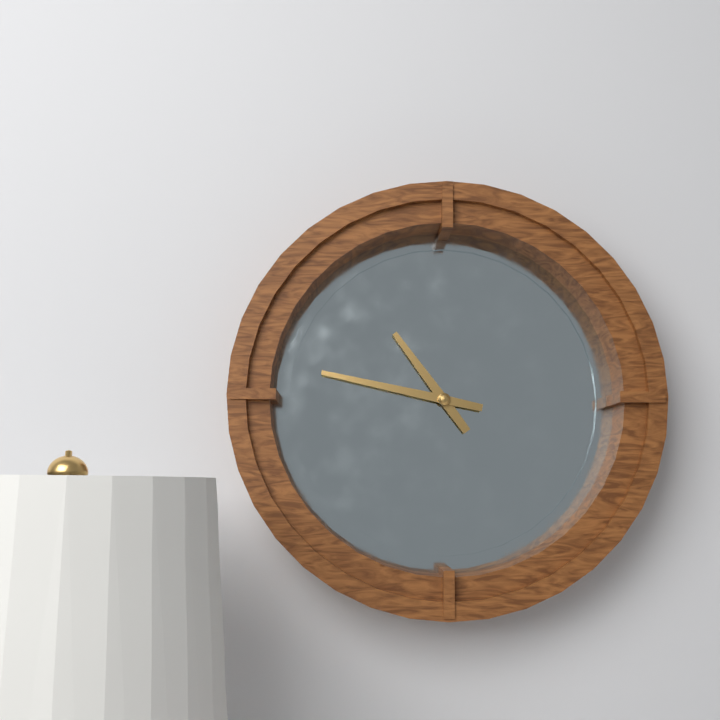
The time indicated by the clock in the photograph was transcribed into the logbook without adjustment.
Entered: 10:47
